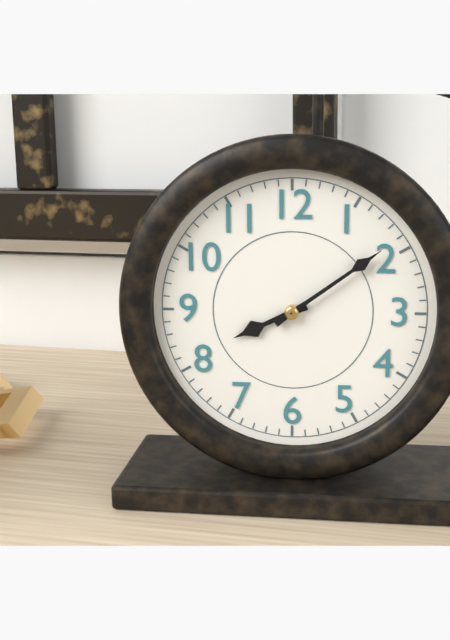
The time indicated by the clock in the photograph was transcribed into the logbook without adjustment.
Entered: 8:09
